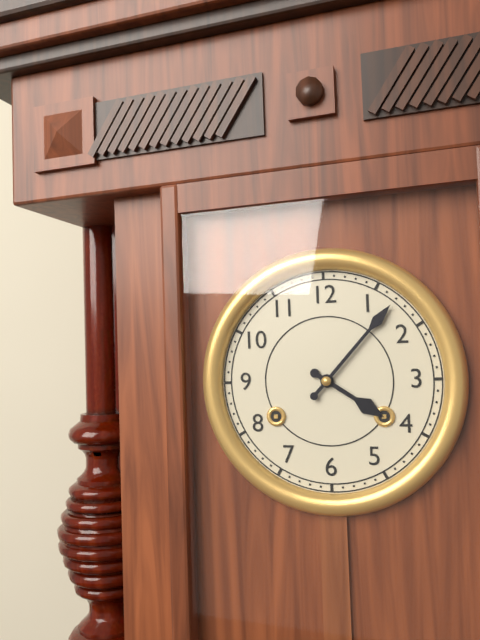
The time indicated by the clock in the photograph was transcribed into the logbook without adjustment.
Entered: 4:07
